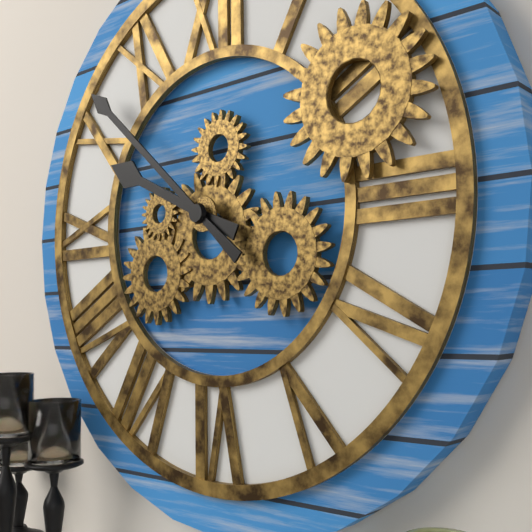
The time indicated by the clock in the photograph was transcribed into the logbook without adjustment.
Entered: 9:52
